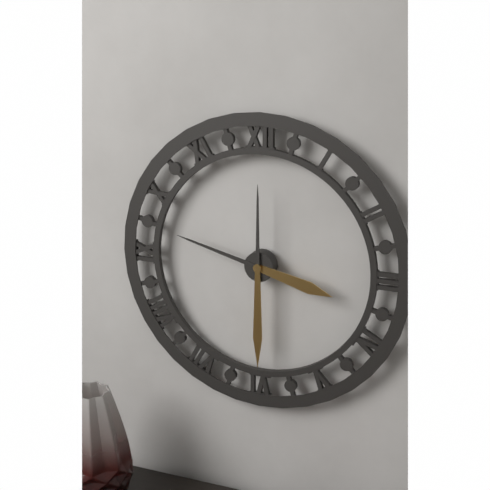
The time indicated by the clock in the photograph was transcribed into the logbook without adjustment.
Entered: 3:30
